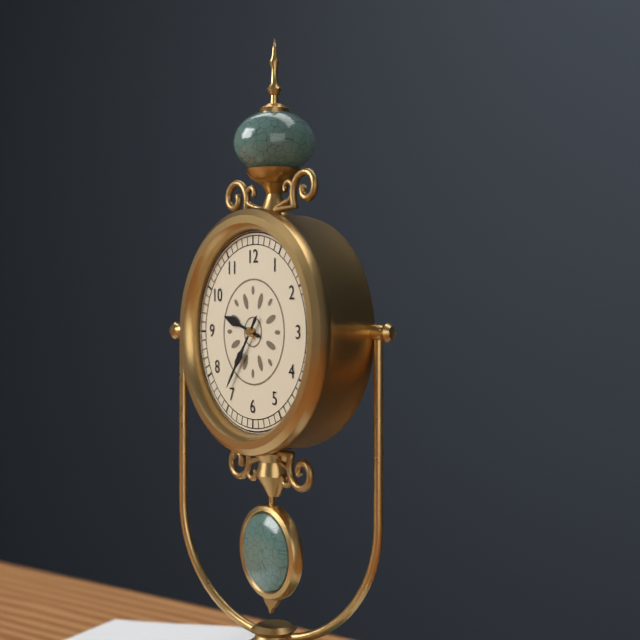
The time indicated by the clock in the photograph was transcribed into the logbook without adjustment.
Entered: 9:36
